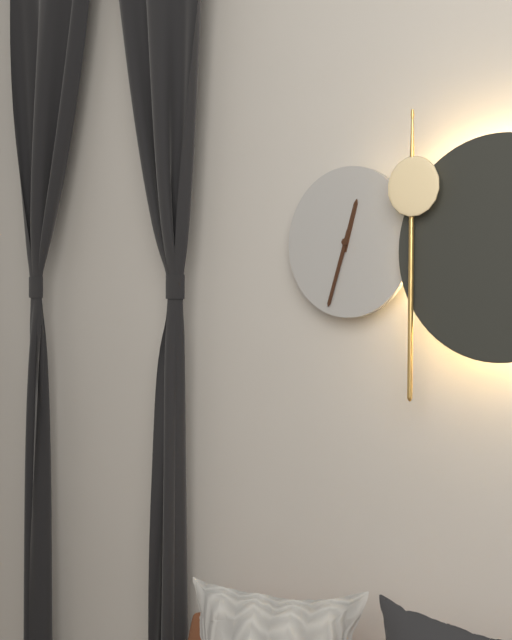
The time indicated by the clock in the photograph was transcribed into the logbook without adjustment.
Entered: 12:33
